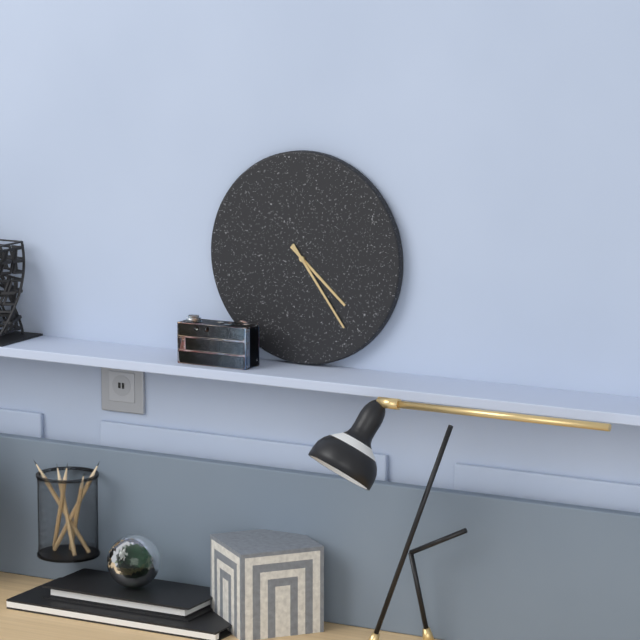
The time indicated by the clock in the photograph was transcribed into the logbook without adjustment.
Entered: 4:24
